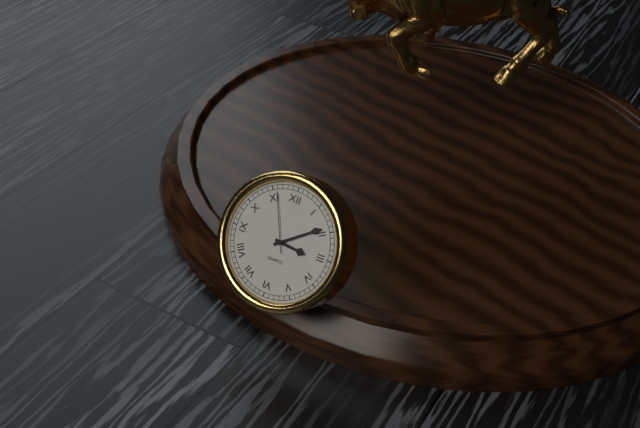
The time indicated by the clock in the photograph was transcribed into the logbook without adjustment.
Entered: 3:09:56
